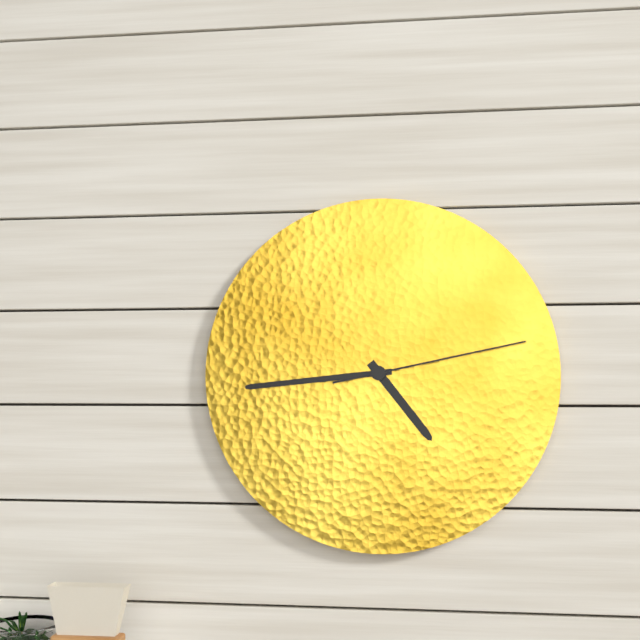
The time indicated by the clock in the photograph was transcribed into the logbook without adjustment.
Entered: 4:44:13
